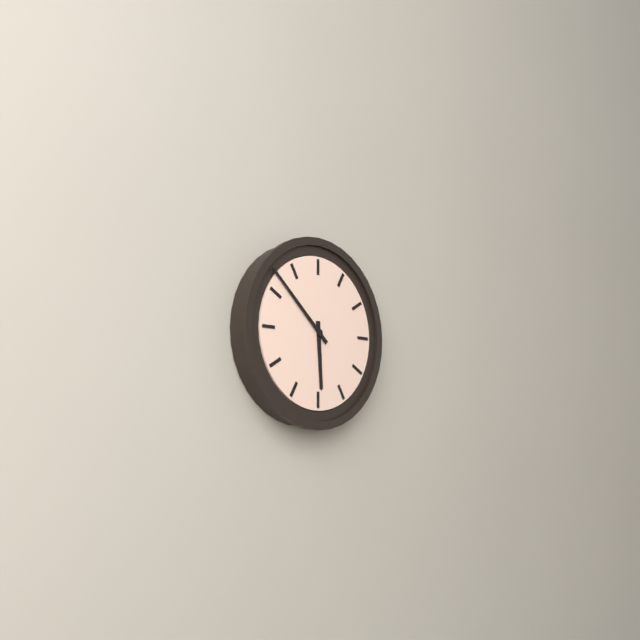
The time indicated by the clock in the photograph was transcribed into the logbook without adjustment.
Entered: 5:52
